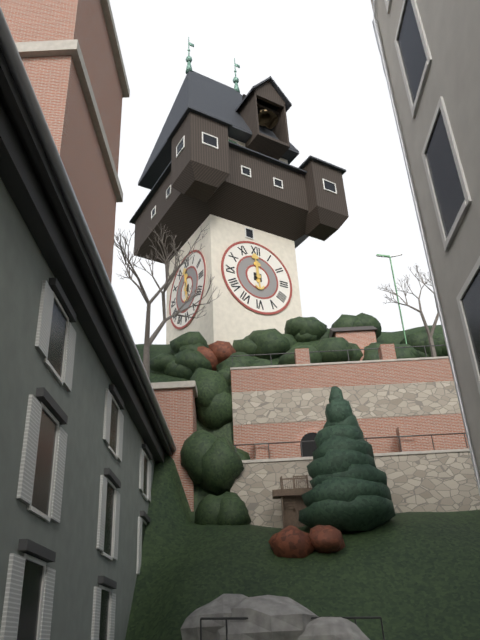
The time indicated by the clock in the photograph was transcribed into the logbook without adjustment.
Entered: 11:59
